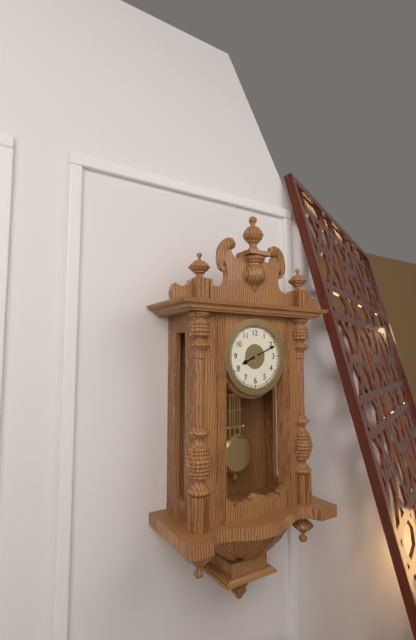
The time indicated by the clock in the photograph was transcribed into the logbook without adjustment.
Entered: 8:11
